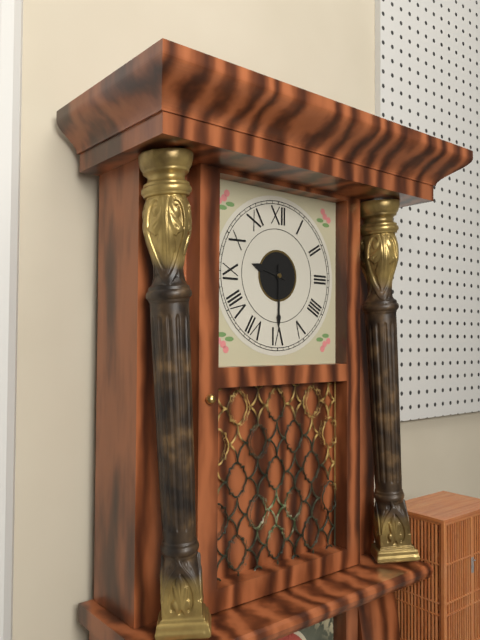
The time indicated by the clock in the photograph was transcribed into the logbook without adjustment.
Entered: 9:30
